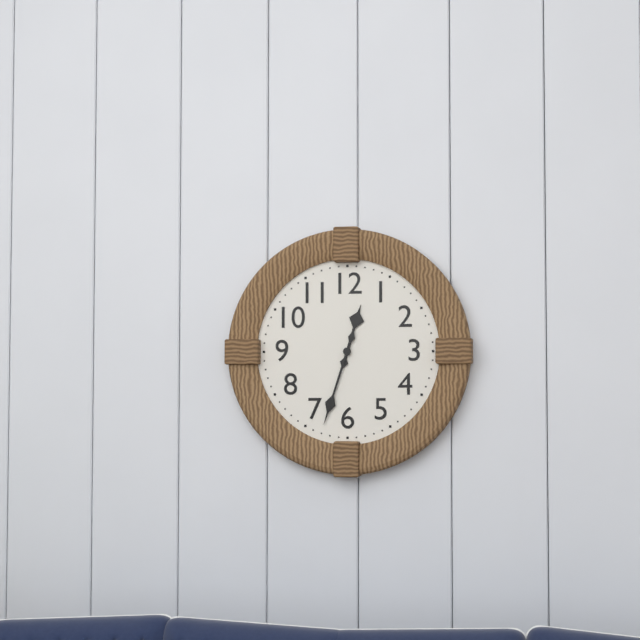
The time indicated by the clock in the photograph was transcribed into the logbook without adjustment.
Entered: 12:33
